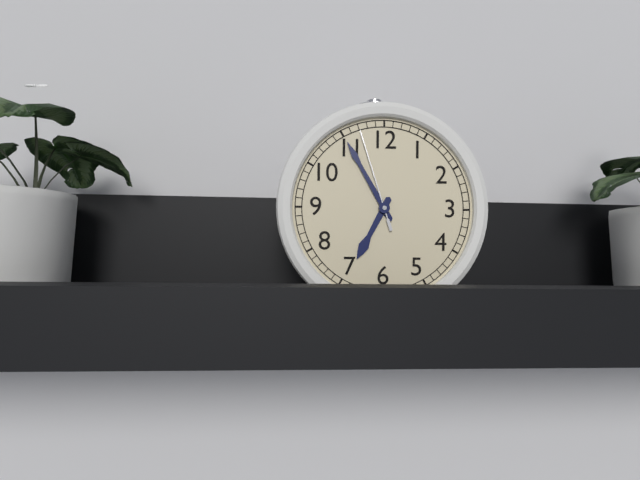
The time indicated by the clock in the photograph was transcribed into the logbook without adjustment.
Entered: 6:55:57
